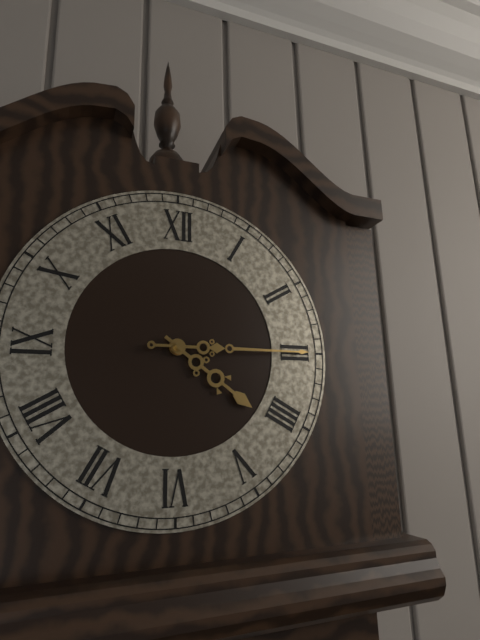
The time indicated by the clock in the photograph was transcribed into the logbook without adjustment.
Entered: 4:15
